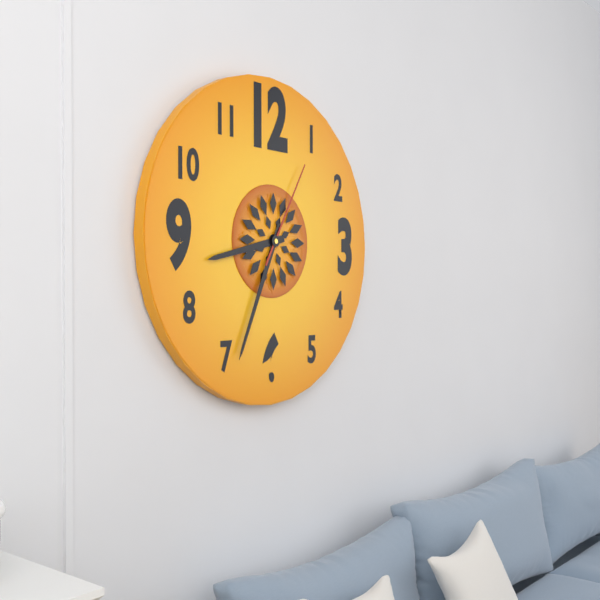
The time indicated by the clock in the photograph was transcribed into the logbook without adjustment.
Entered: 8:34:05
